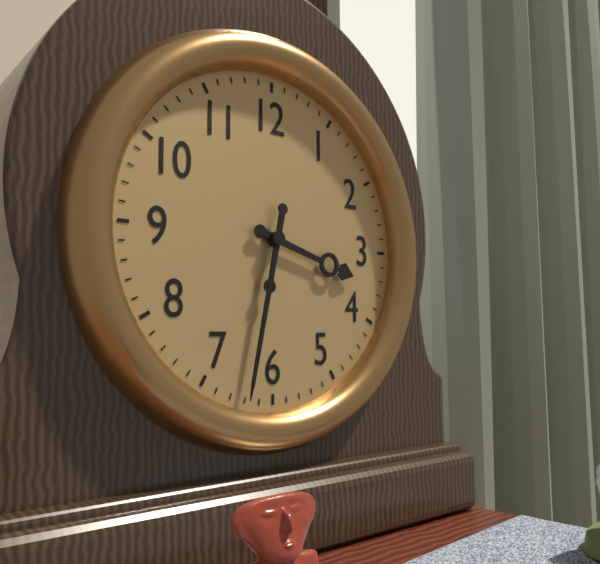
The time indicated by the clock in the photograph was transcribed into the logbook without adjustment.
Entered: 3:32
